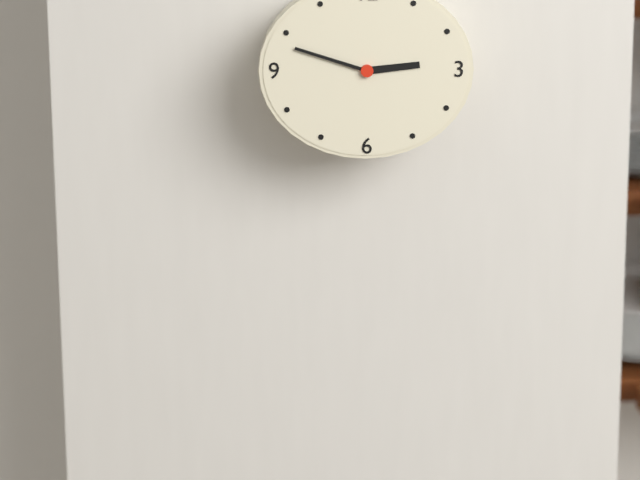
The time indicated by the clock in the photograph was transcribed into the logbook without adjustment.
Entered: 2:48
